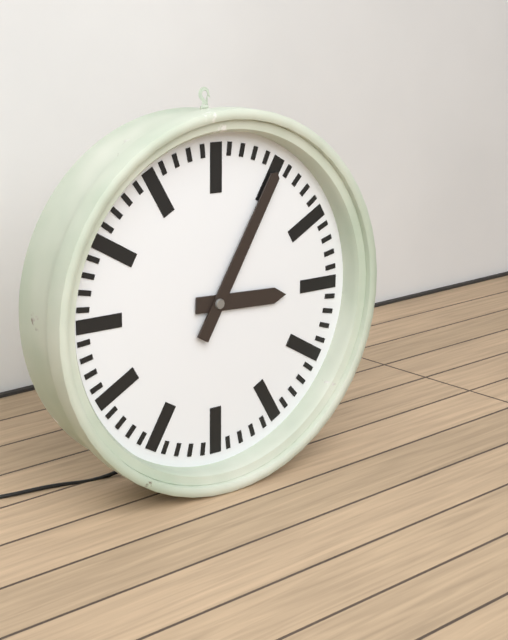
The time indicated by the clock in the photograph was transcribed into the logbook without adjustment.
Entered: 3:05
